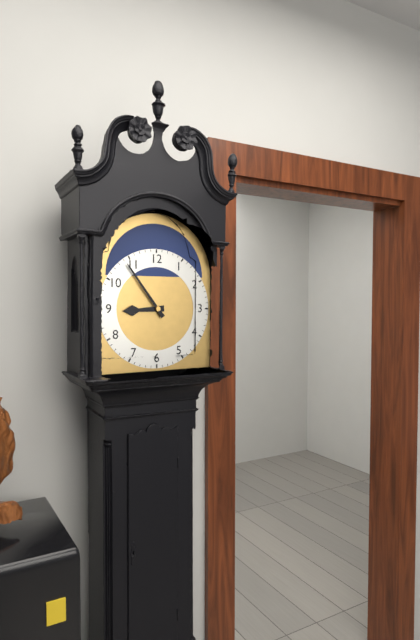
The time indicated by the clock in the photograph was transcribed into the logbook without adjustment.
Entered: 8:54
